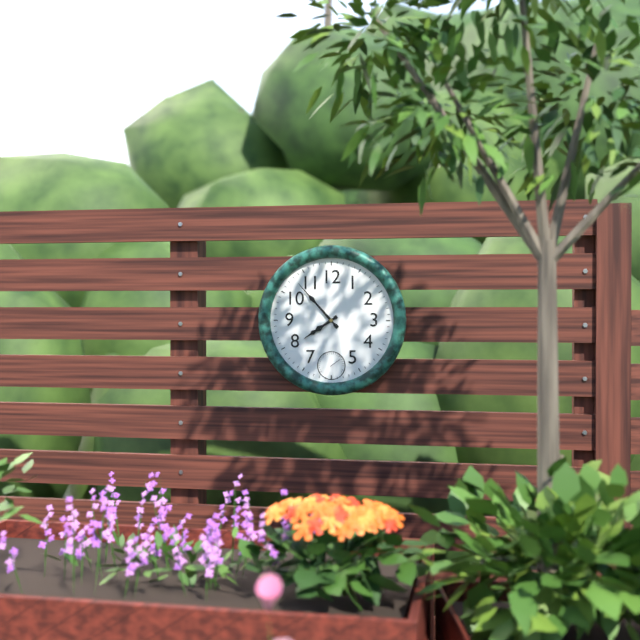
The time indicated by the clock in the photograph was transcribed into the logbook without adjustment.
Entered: 7:53
